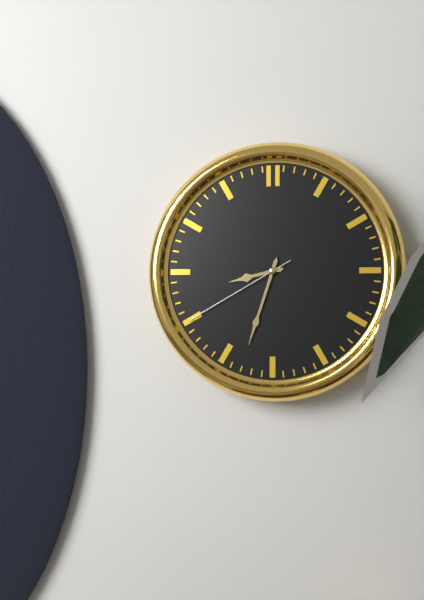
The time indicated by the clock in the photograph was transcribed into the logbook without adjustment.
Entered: 8:33:40
